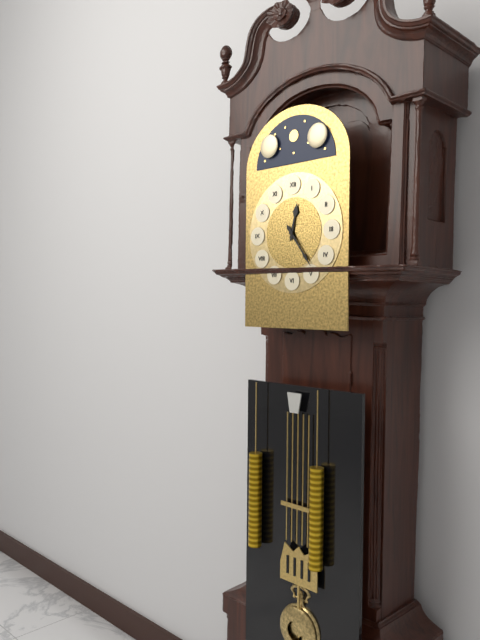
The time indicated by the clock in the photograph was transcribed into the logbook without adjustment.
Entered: 12:24
